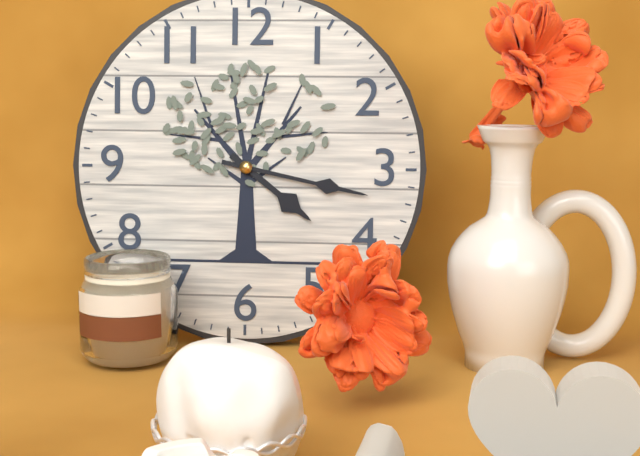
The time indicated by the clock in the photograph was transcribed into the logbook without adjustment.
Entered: 4:17
